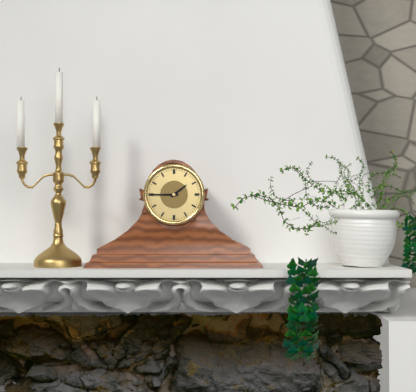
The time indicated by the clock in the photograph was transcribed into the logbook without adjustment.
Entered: 1:45
